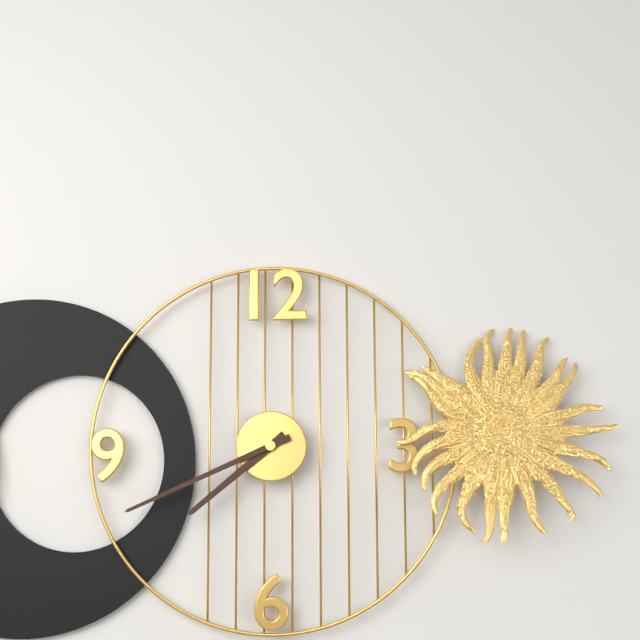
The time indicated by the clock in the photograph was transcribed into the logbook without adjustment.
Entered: 7:41
